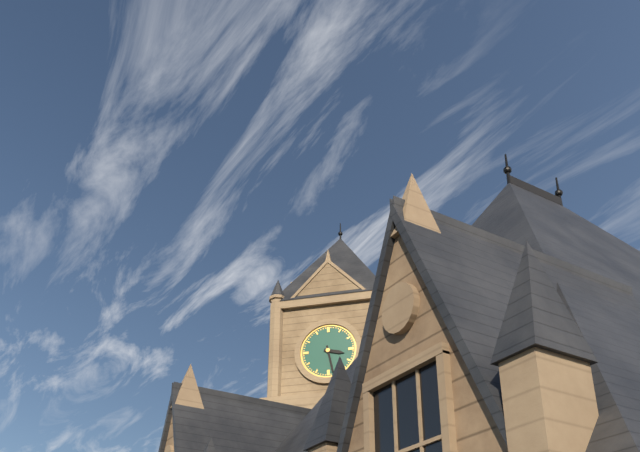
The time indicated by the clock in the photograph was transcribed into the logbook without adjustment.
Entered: 3:28
